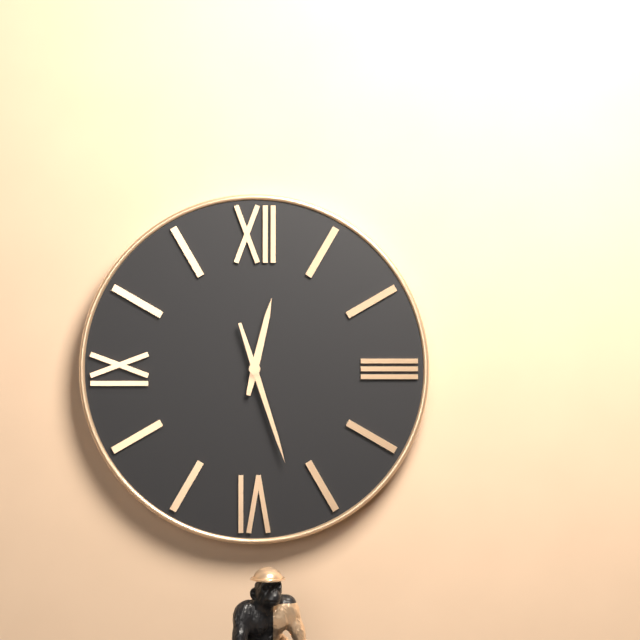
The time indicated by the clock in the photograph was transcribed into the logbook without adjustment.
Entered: 12:27
